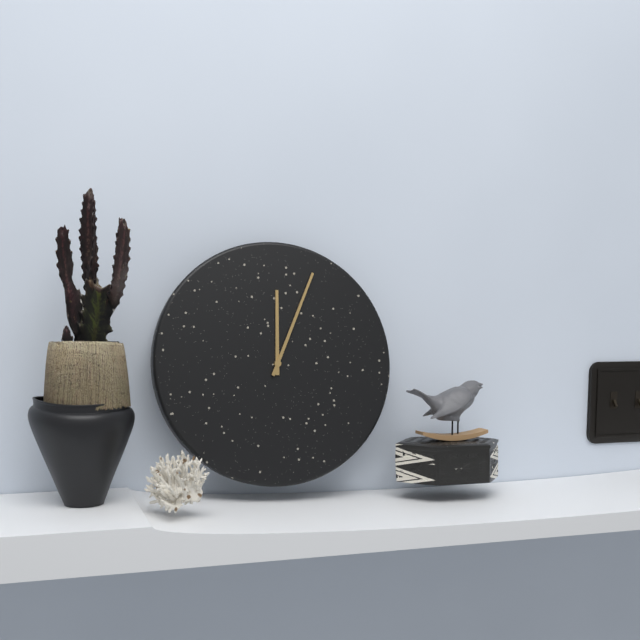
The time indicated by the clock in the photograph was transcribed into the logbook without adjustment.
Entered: 12:04
